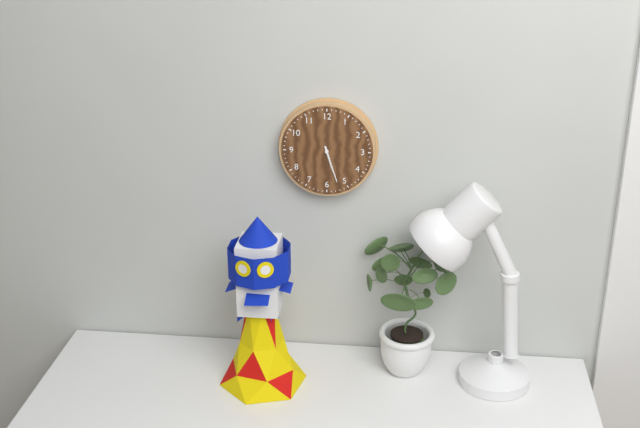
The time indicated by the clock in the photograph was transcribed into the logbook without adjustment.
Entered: 5:27
